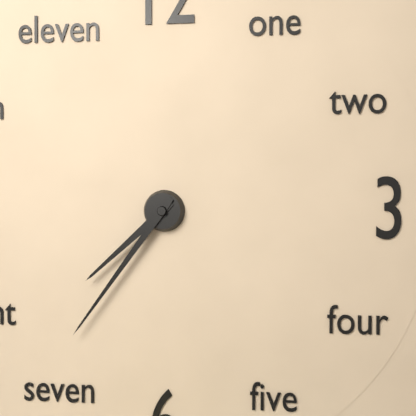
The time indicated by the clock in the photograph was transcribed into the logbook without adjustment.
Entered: 7:36
